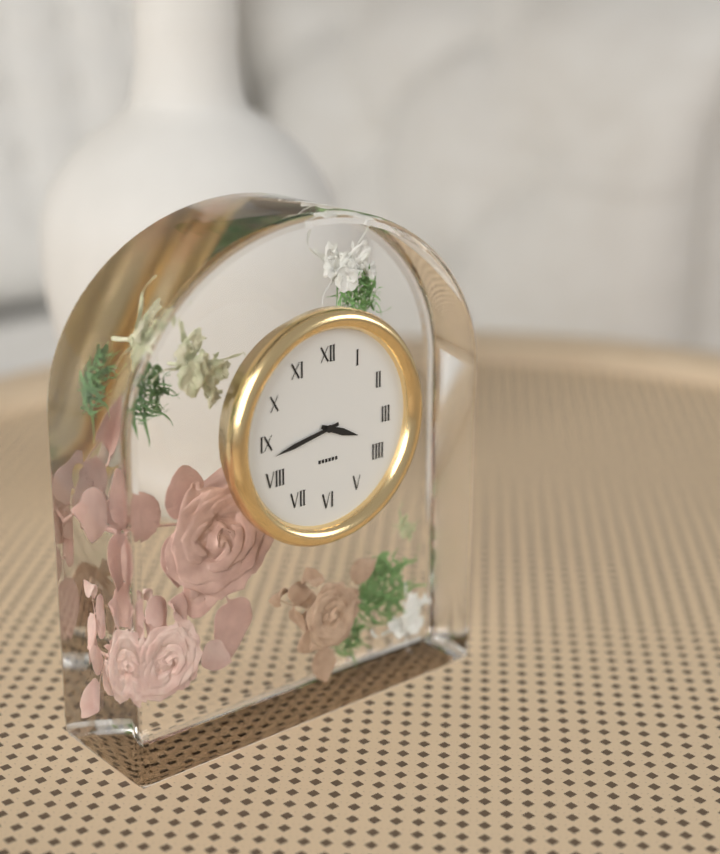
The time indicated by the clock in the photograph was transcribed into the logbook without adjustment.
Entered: 3:43
